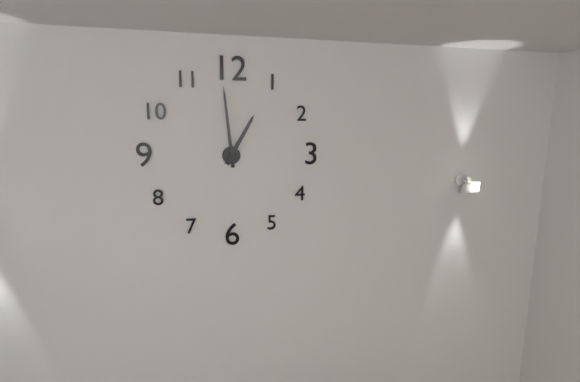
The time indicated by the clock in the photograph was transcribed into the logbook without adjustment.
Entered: 12:59
